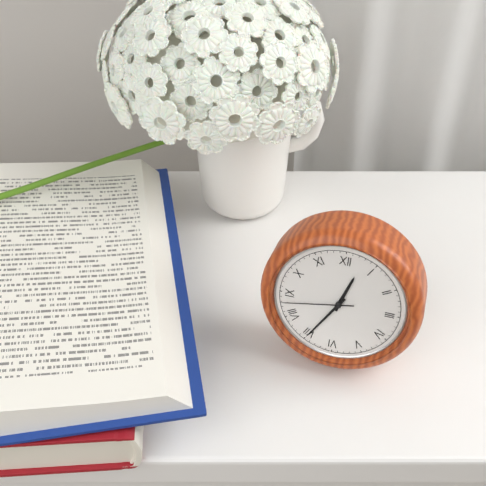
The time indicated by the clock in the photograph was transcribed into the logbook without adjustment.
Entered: 12:35:43
